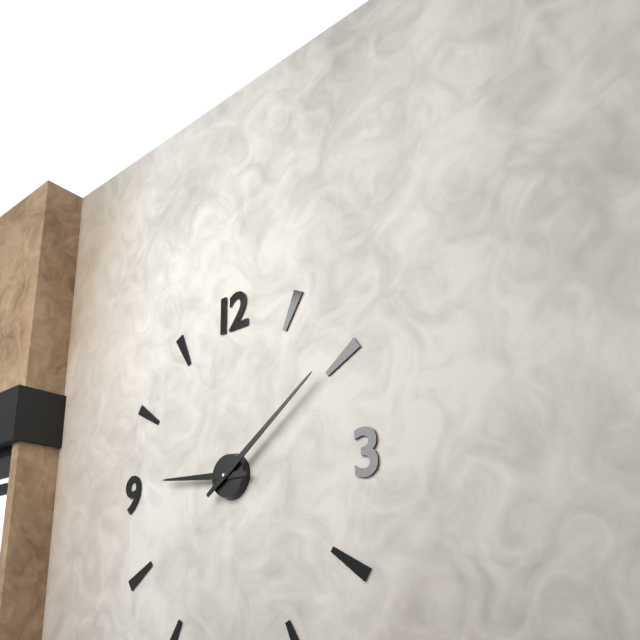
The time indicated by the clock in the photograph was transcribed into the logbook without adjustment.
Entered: 9:09
